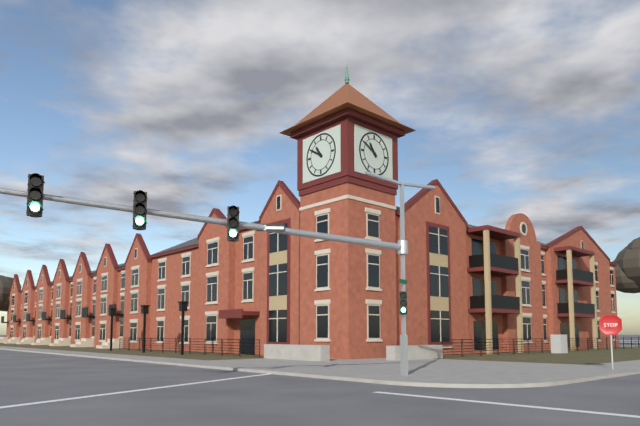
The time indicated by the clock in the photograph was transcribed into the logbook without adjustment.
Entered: 10:50
